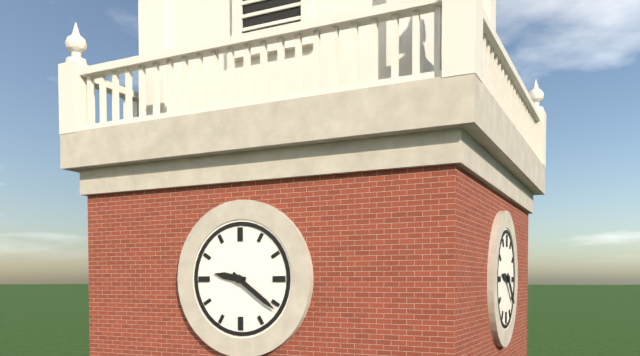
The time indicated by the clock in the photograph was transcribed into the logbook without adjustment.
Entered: 9:21
